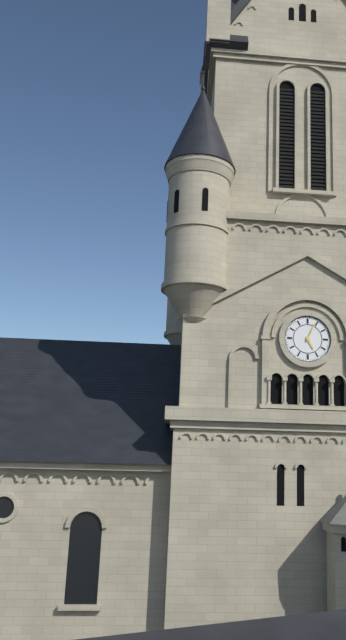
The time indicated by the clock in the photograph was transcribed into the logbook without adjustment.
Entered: 5:04
